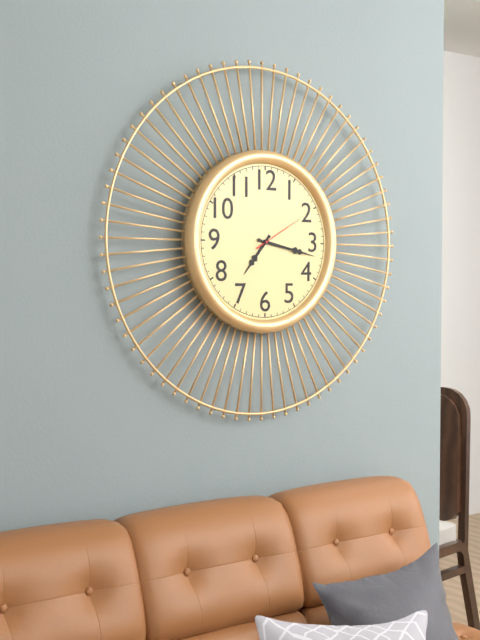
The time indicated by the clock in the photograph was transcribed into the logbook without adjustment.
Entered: 7:17:10
